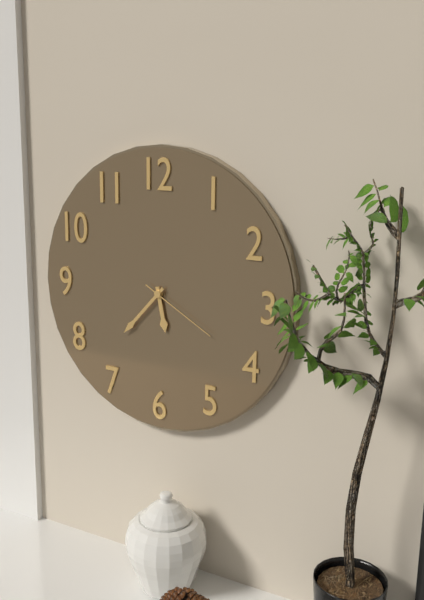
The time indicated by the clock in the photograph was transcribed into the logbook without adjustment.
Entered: 5:37:20
